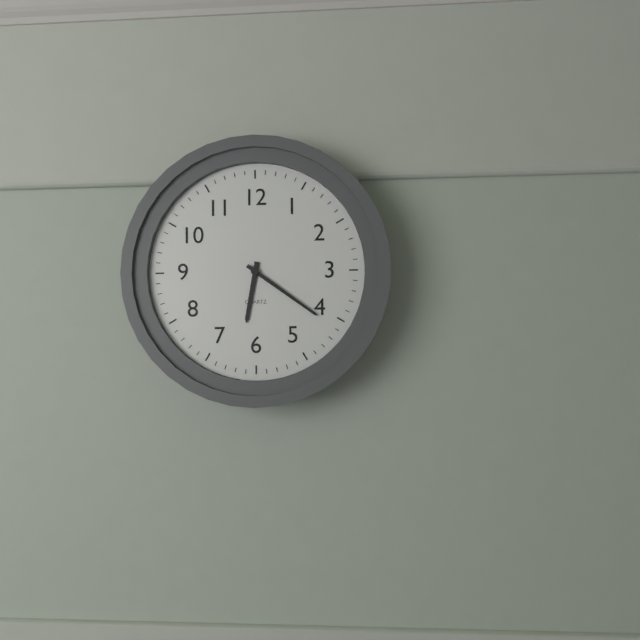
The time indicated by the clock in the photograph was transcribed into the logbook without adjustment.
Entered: 6:21
